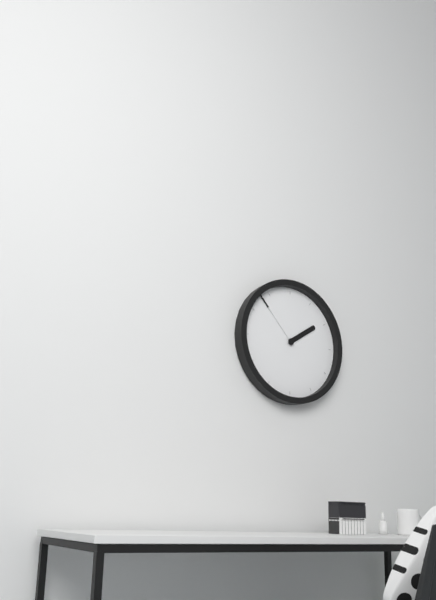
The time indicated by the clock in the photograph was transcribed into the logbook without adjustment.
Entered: 1:53
